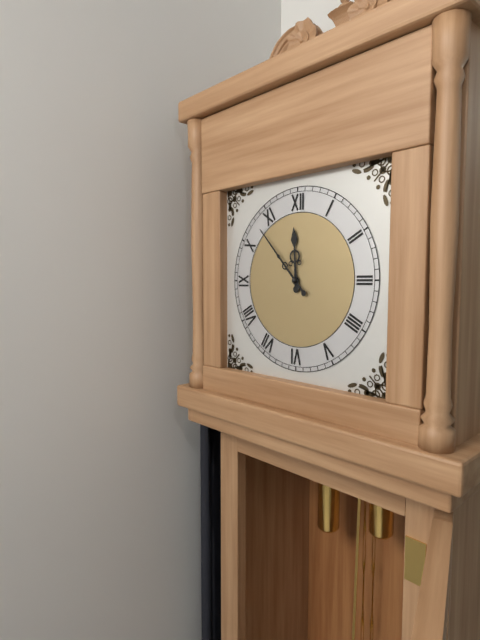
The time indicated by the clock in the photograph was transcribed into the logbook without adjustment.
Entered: 11:53
